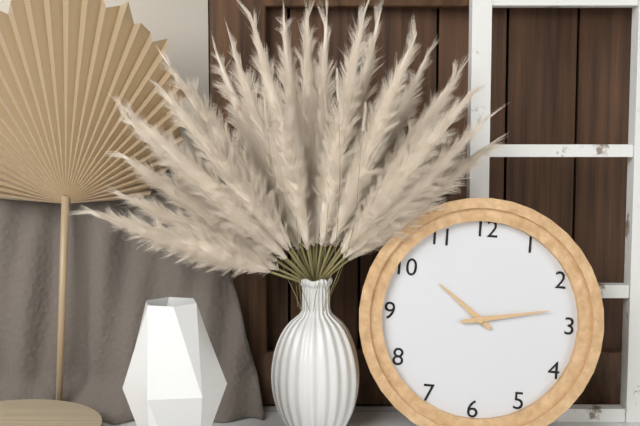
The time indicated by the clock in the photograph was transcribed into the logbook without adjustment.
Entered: 10:13
